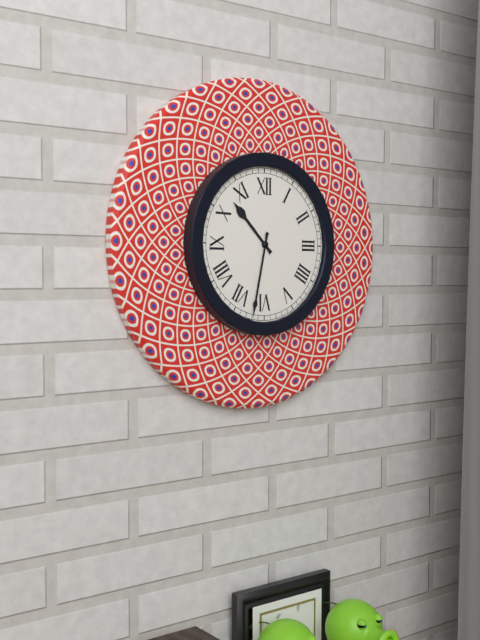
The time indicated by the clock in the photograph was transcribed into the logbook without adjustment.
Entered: 10:32
